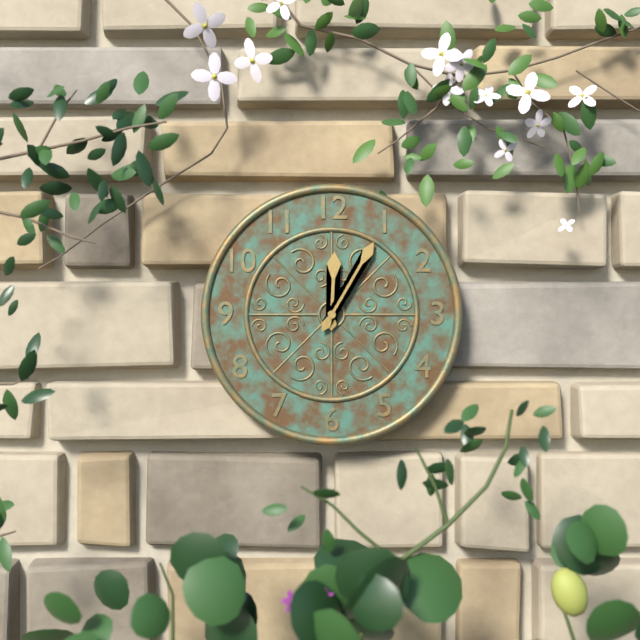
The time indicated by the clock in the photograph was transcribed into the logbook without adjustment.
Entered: 12:05
